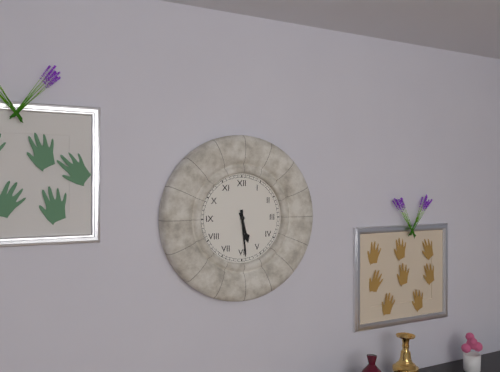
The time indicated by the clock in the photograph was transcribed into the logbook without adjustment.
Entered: 5:29
